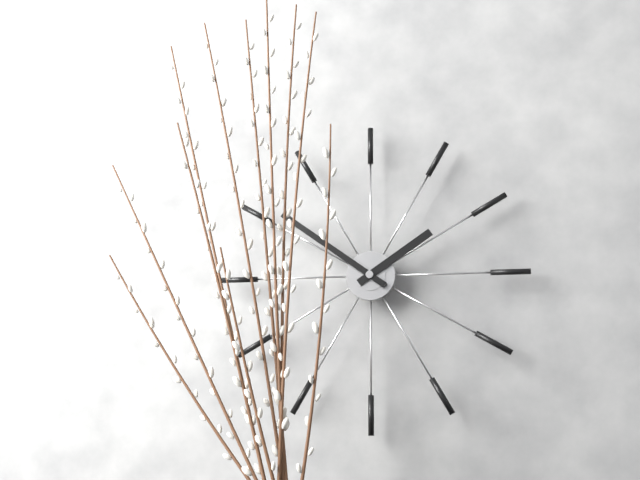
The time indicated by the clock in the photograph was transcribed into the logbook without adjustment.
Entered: 1:51
